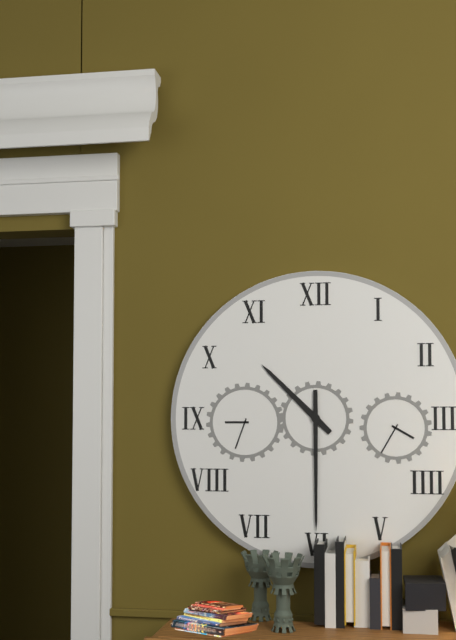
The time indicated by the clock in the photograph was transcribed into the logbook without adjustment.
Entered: 10:30
